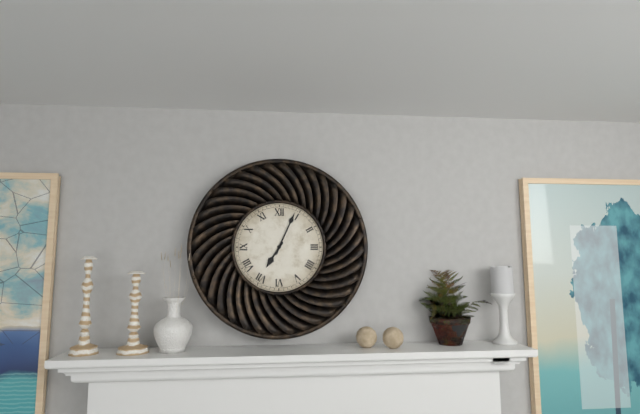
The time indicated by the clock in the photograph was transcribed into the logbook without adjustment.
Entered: 7:04
